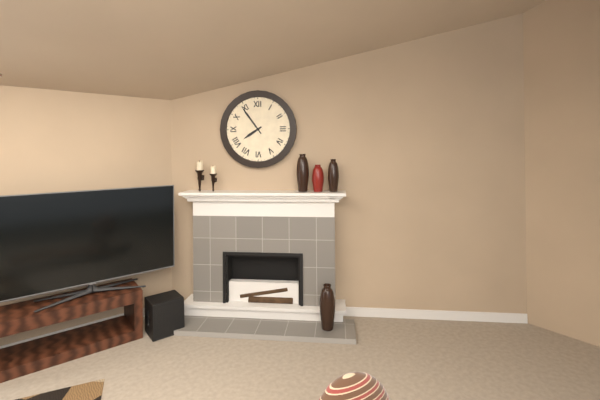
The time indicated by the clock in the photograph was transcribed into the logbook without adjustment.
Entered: 7:54
